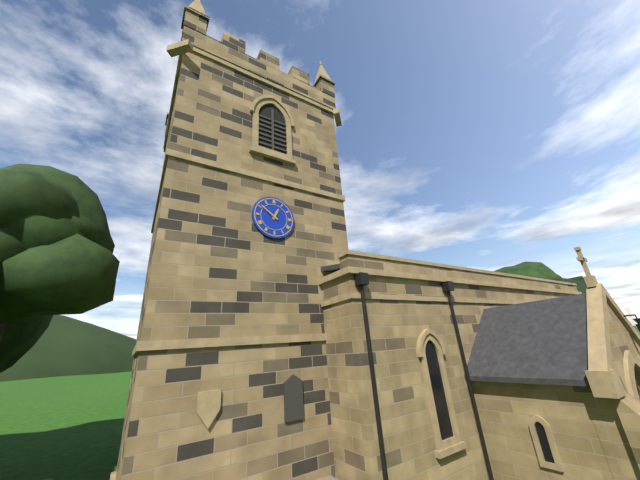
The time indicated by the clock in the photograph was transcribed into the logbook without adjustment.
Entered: 12:51
